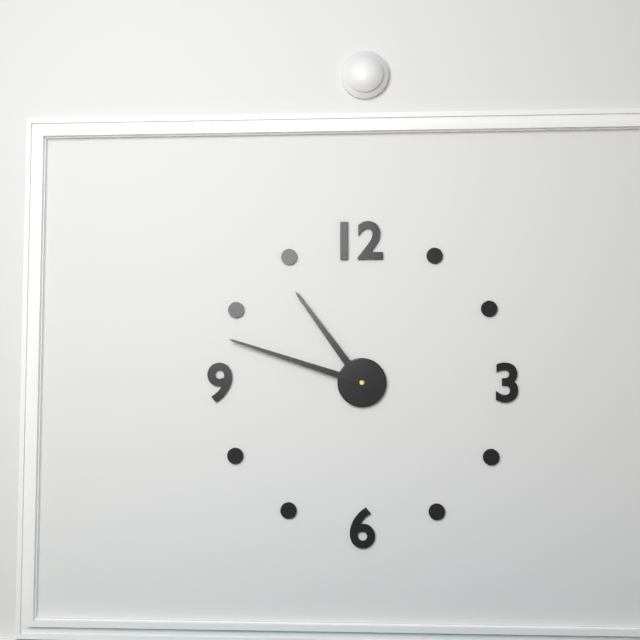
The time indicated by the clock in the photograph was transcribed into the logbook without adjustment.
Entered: 10:48
